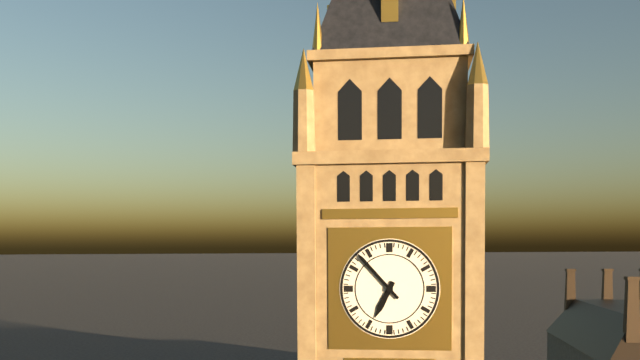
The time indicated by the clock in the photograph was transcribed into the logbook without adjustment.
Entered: 6:53
